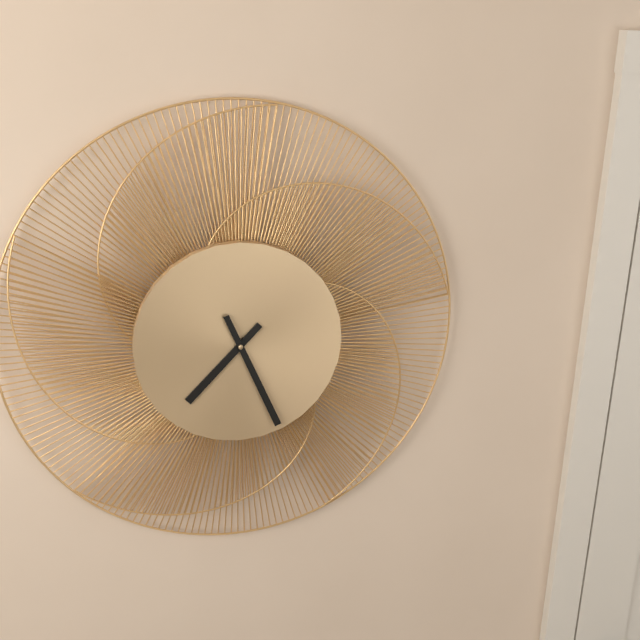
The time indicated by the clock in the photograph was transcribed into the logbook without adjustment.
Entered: 7:26
